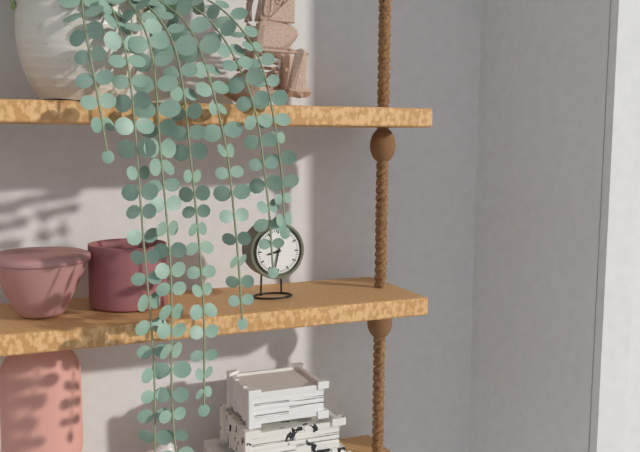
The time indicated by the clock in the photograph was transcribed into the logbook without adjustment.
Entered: 8:32
